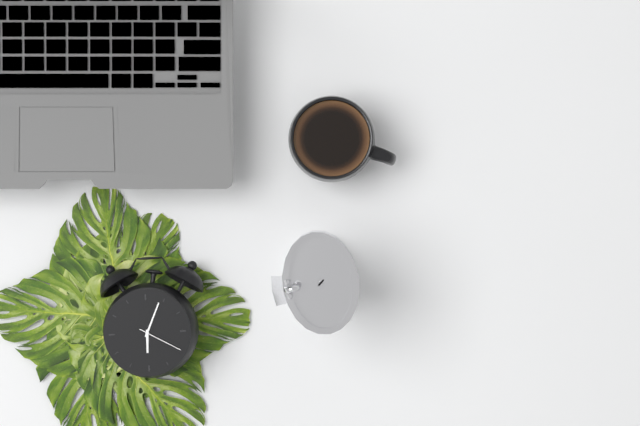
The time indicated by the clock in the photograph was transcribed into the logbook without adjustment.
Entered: 6:04
